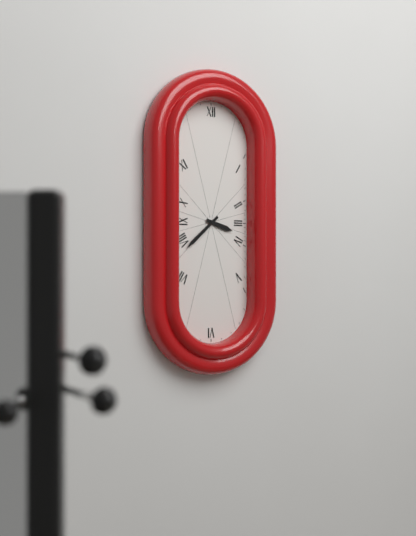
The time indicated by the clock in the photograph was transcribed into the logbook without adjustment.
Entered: 3:38
